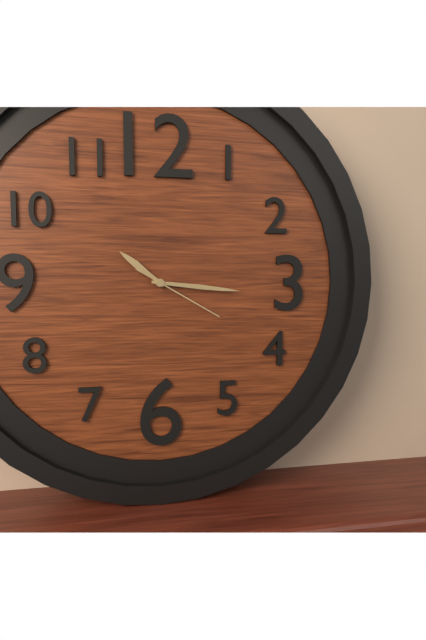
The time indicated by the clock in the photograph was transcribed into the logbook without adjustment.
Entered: 10:16:20
